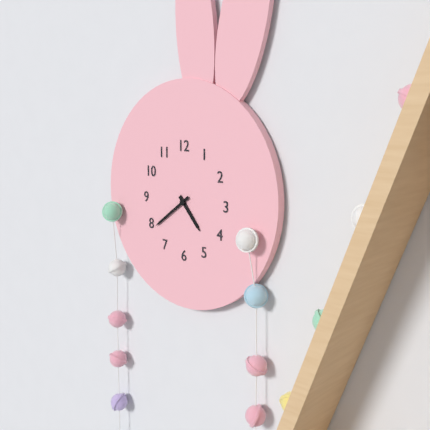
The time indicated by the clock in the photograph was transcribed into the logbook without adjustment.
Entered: 4:39
